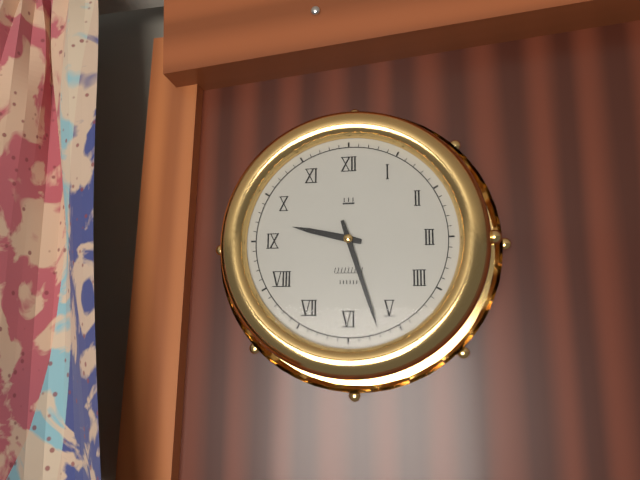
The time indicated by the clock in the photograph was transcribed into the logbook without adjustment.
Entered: 9:27
